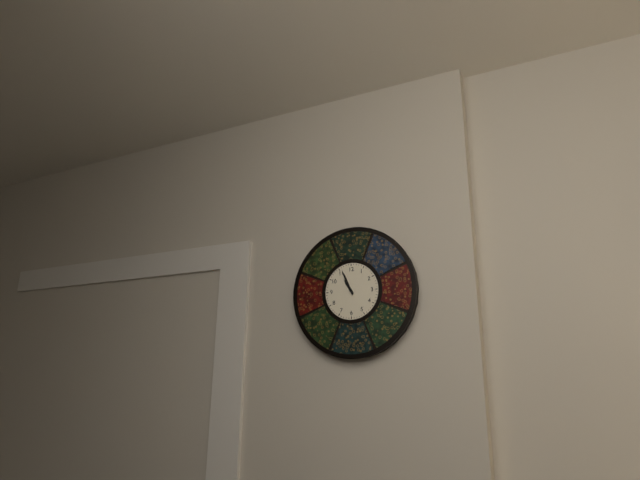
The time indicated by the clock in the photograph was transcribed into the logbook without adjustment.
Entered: 10:56
